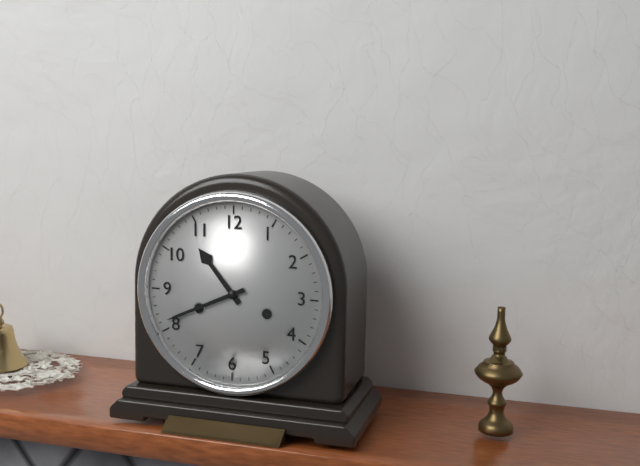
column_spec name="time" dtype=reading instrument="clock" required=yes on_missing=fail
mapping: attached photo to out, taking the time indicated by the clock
10:41
